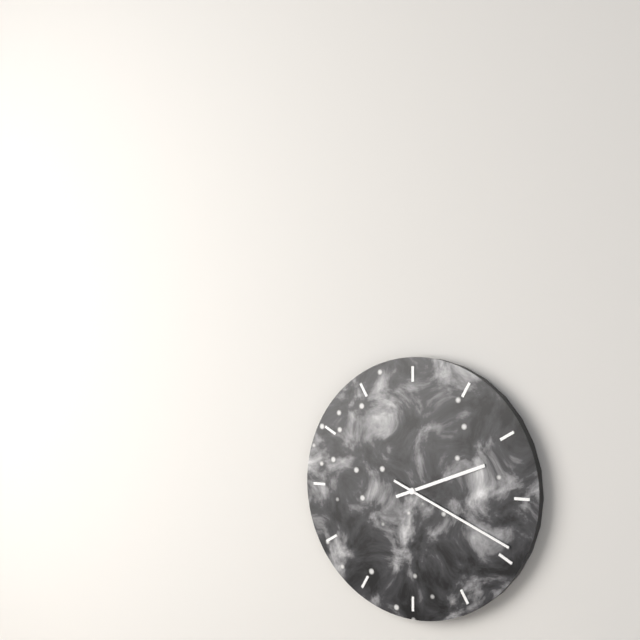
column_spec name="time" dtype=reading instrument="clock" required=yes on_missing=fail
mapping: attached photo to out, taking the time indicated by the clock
2:19
